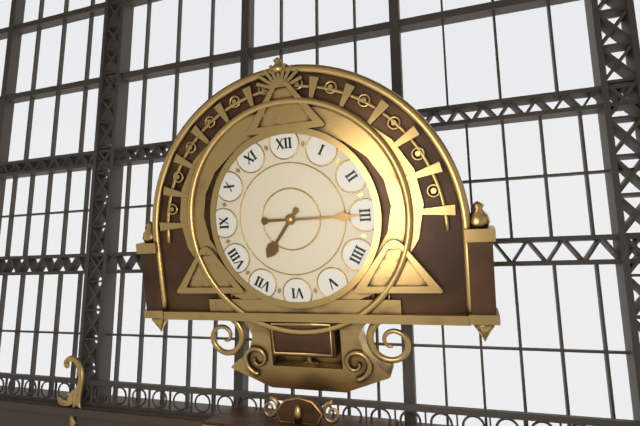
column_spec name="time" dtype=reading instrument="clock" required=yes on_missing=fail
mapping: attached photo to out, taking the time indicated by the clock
7:15
